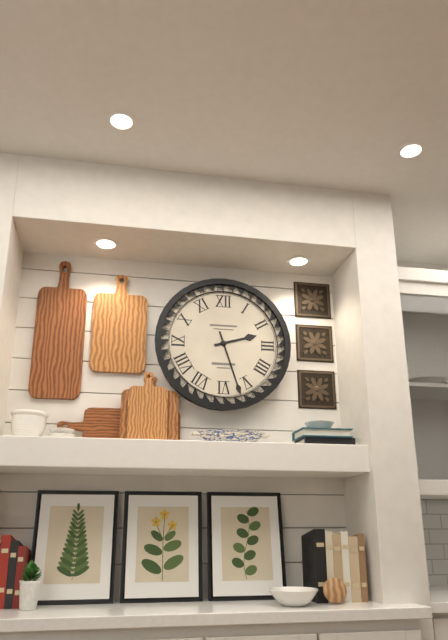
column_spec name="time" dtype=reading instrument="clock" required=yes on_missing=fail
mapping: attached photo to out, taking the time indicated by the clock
2:27
